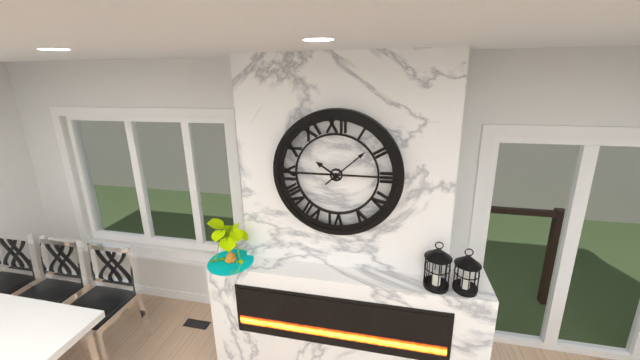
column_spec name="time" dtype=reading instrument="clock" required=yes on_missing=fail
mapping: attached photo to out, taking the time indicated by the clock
10:08
